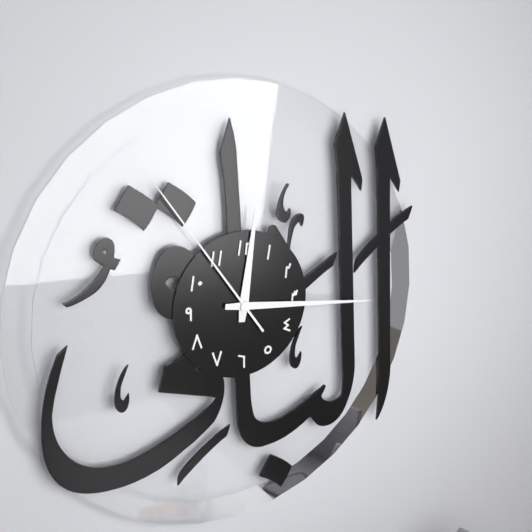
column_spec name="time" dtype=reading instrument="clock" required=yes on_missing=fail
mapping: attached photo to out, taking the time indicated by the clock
12:16:54
